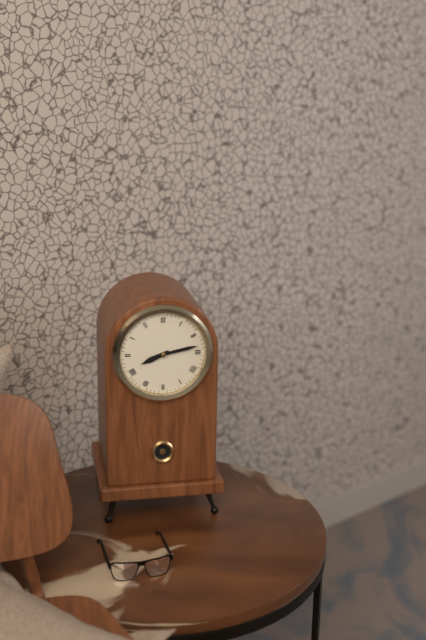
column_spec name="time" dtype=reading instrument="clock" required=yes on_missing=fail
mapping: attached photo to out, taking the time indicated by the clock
8:13
